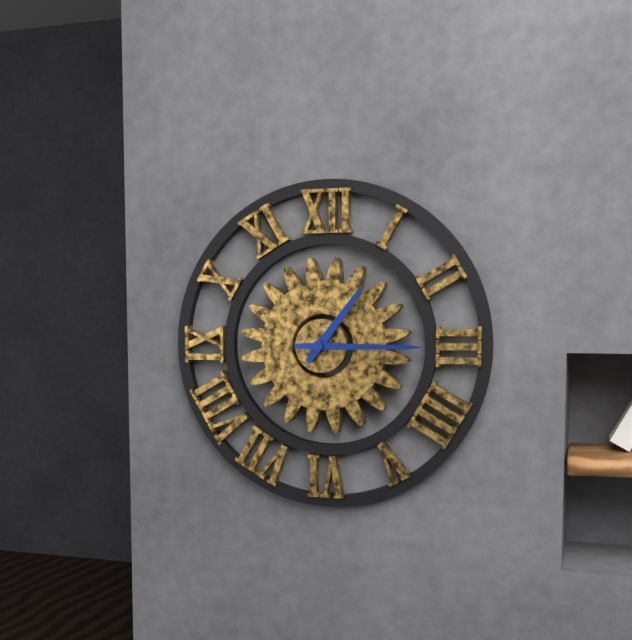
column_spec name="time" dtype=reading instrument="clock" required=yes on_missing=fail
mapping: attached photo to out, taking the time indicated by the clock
1:15
